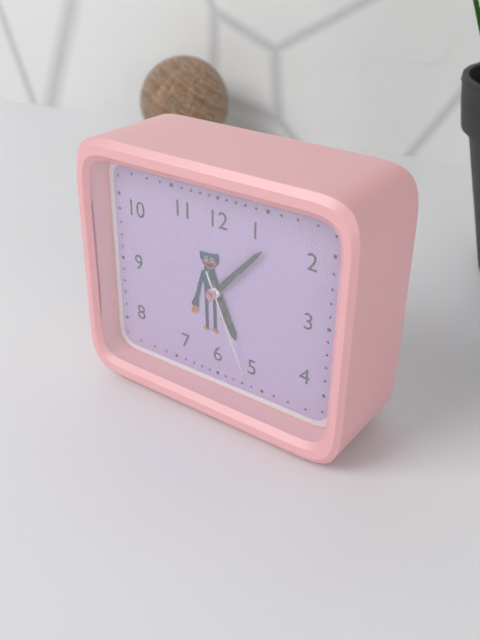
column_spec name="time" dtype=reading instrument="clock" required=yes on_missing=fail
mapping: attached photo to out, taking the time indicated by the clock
5:07:26
